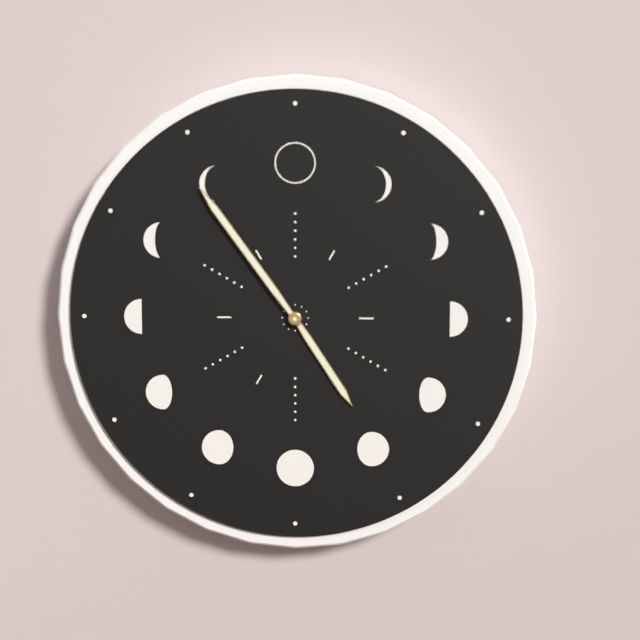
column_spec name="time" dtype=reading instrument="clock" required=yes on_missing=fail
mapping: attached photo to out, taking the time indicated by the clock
4:54
